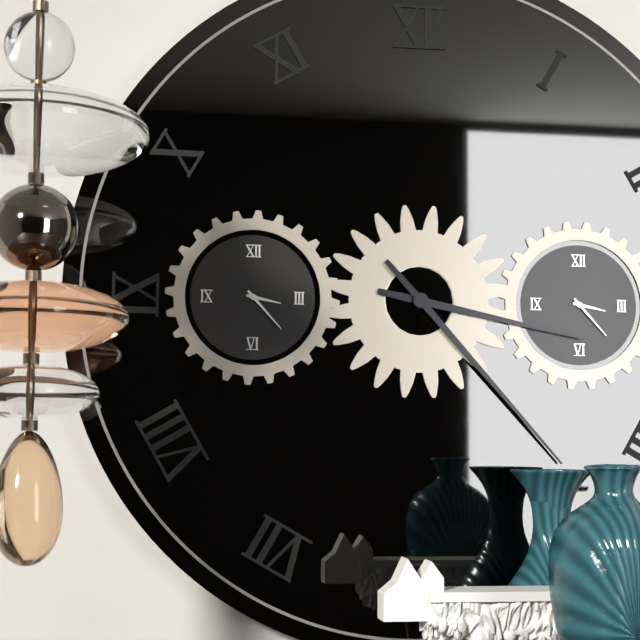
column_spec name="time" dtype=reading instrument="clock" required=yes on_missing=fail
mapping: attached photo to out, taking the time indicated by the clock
3:23
